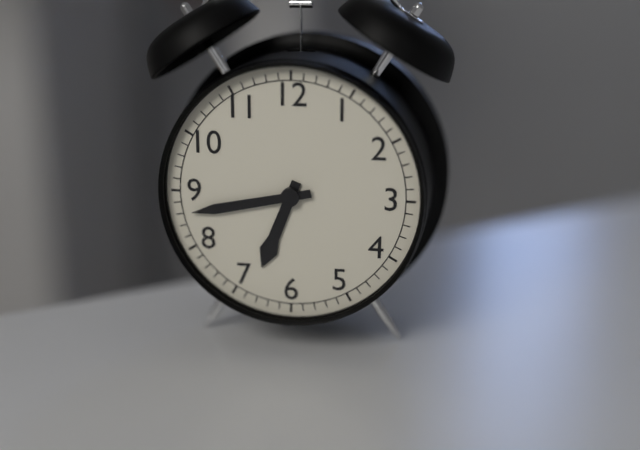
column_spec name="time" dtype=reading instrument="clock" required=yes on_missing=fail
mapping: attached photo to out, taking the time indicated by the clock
6:43
